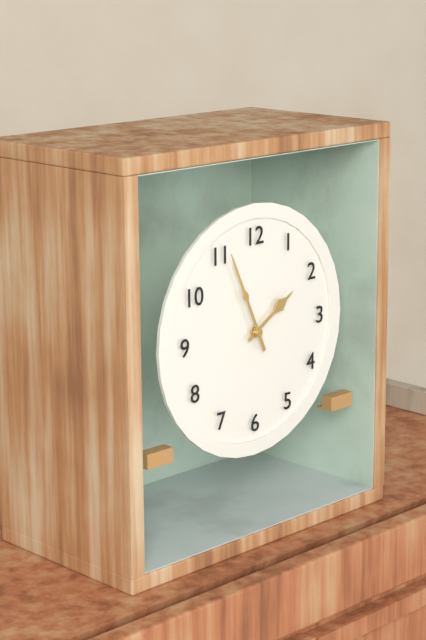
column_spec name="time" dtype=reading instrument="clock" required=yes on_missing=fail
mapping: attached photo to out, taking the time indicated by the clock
1:56
